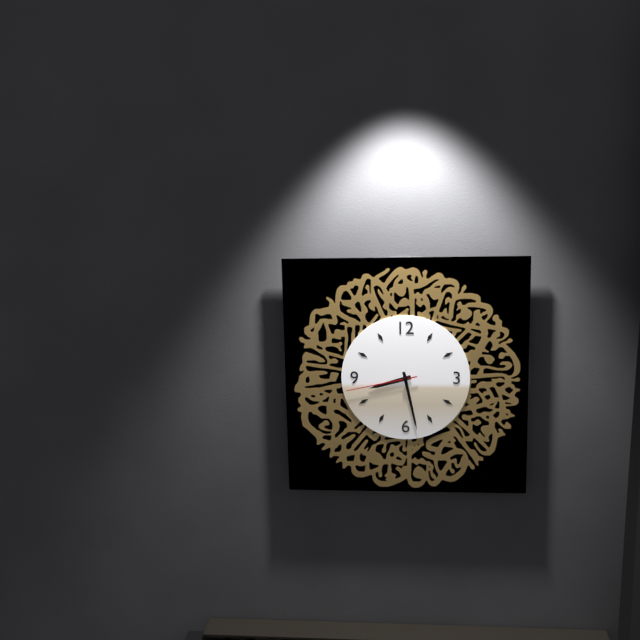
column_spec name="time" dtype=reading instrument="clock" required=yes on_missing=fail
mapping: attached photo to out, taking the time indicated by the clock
8:28:43
